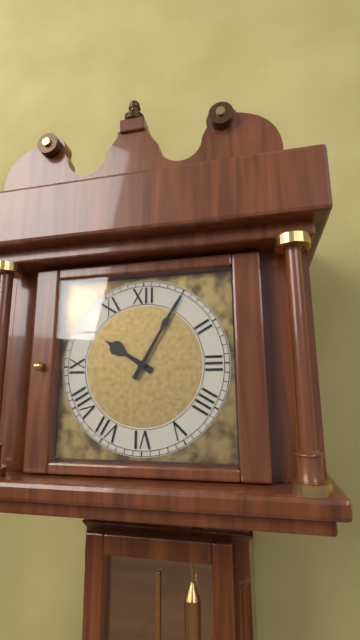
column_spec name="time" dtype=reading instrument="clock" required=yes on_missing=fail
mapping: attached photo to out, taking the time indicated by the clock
10:05
